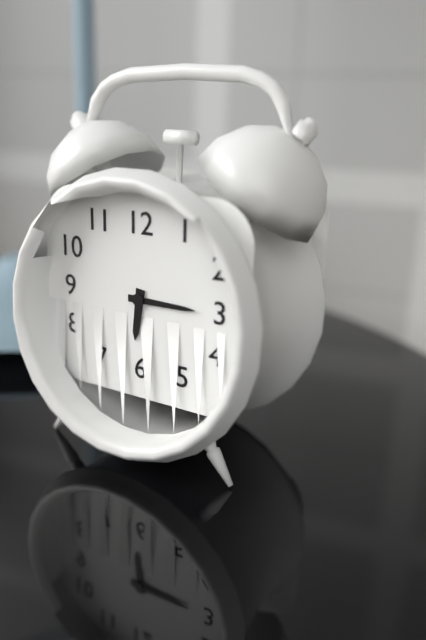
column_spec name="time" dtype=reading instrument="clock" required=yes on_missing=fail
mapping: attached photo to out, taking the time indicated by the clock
6:15
